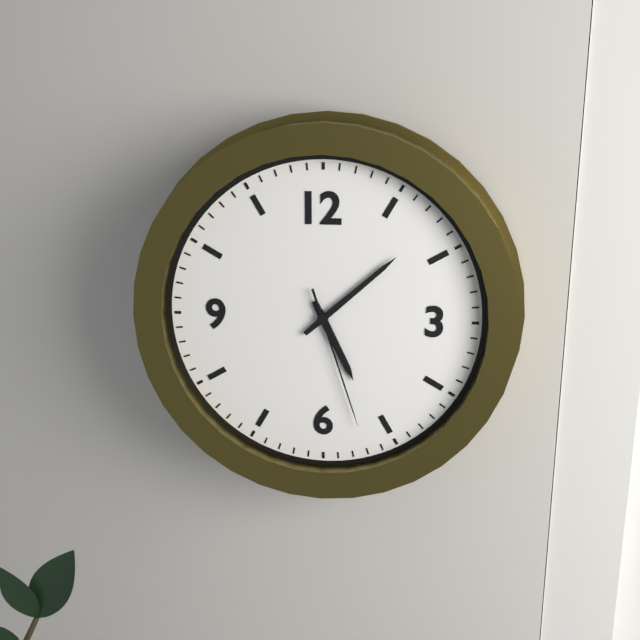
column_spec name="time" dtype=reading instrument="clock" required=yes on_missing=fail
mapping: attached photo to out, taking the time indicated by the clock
5:08:27
